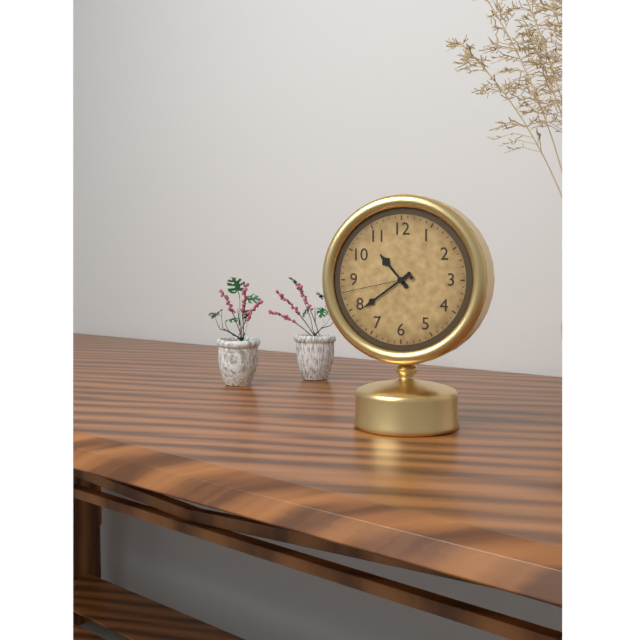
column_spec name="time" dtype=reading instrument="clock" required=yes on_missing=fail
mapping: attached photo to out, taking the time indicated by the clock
10:39:43
